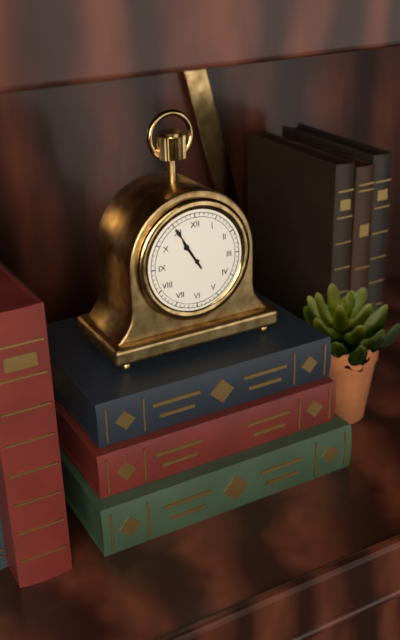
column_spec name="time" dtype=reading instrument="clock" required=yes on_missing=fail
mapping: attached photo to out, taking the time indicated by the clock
10:55
